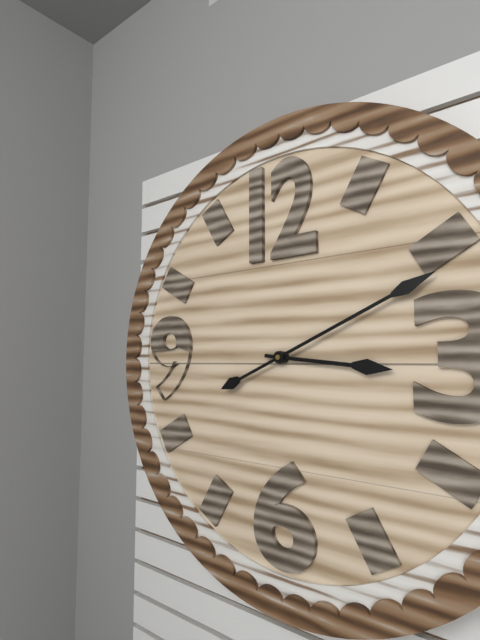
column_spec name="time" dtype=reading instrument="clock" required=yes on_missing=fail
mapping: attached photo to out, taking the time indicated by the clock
3:11
